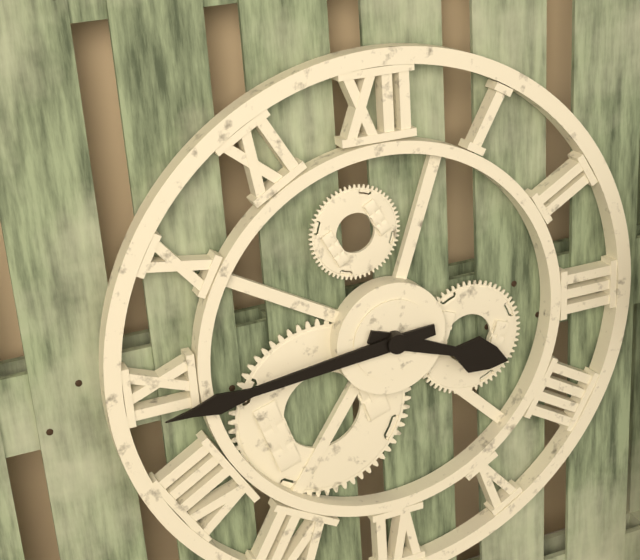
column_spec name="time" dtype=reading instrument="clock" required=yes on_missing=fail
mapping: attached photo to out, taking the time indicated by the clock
3:44
